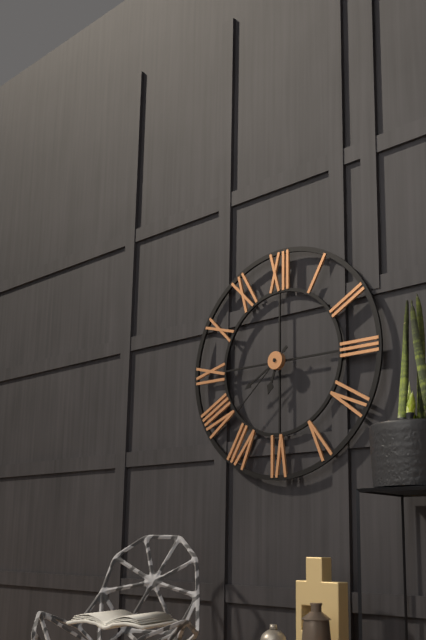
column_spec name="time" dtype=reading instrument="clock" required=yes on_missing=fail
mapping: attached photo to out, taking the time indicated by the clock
6:40:38
